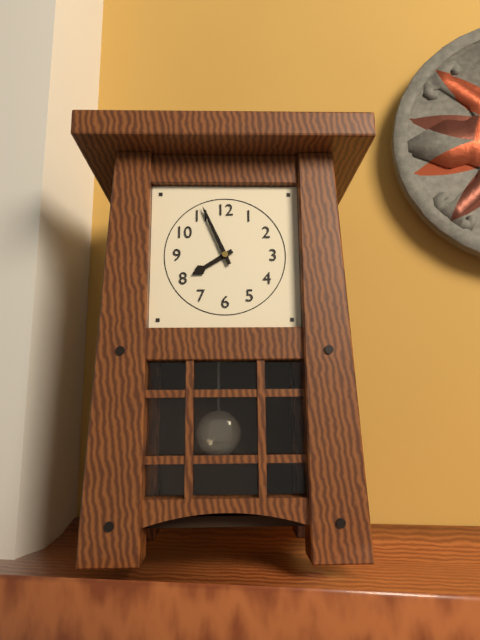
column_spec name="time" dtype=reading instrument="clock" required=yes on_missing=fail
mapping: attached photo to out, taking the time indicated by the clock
7:56
